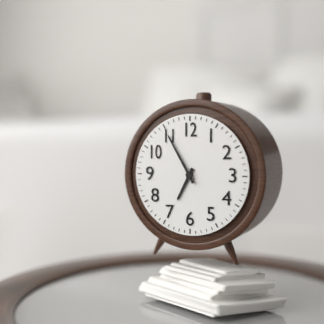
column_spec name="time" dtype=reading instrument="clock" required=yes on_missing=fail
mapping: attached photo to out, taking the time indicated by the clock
6:55
